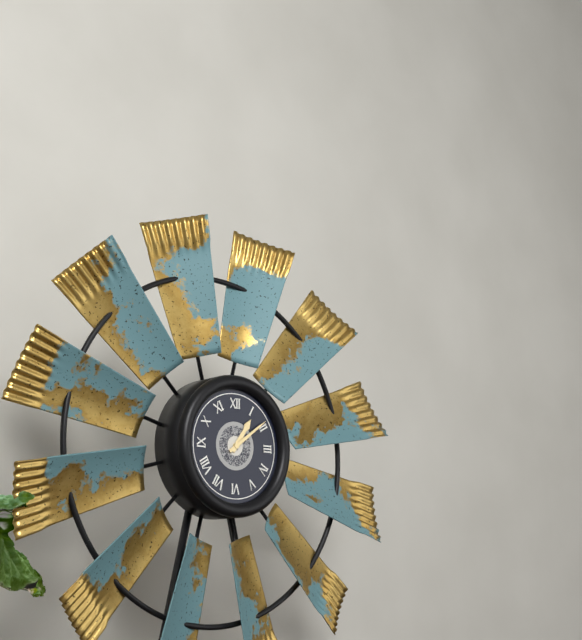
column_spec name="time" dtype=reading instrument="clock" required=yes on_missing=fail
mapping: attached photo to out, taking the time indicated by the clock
1:09
